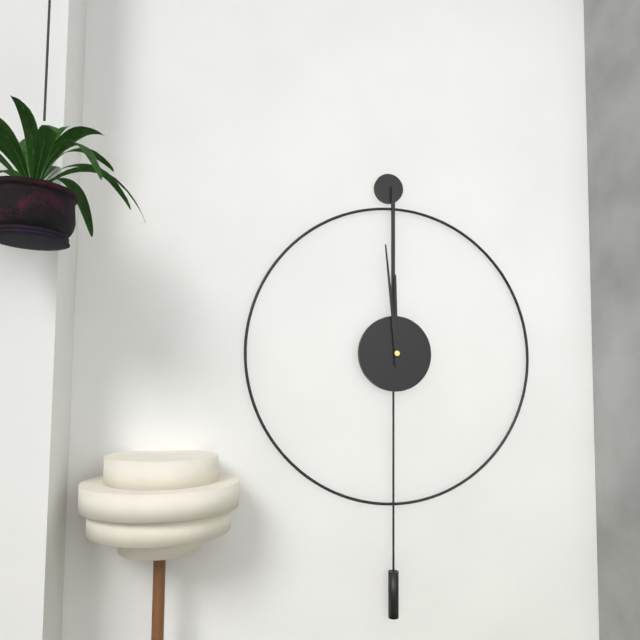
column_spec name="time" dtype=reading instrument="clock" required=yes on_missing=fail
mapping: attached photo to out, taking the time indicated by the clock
11:59
